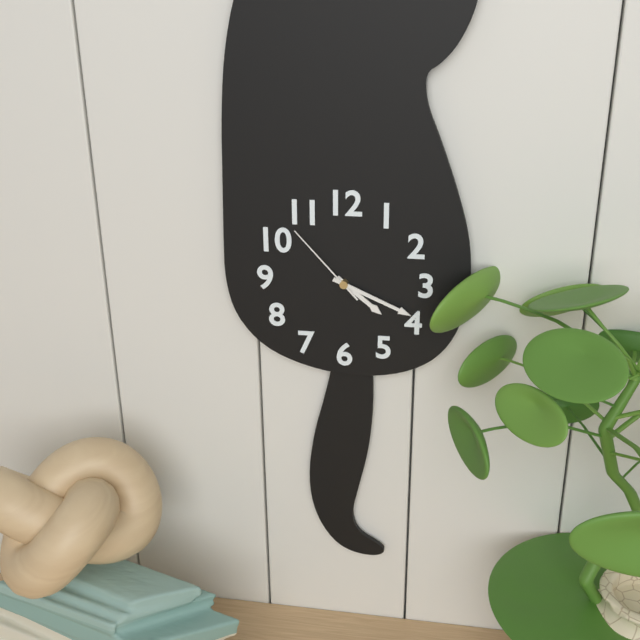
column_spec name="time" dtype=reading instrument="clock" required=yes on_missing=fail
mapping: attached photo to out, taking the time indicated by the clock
4:19:53
